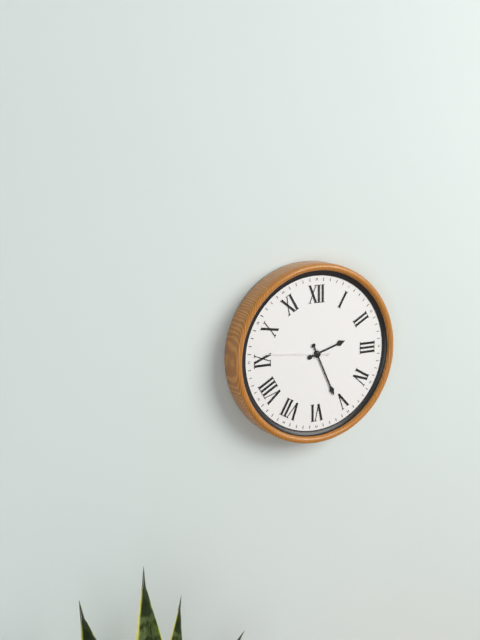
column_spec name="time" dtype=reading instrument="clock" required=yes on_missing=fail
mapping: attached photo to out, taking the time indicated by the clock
2:26:46
